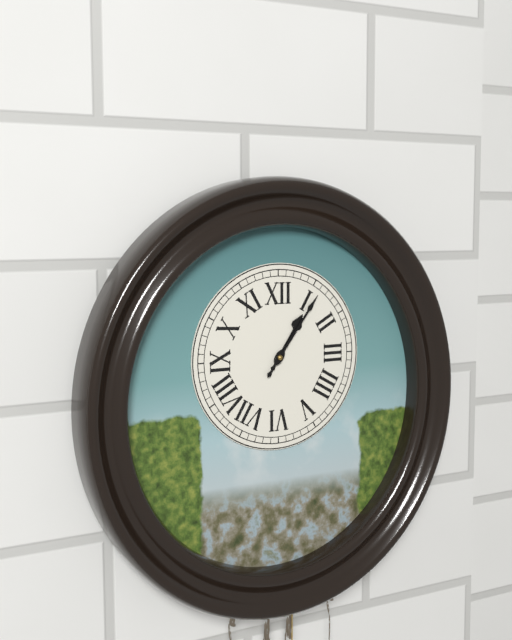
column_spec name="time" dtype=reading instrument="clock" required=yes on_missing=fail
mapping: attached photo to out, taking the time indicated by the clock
1:06
